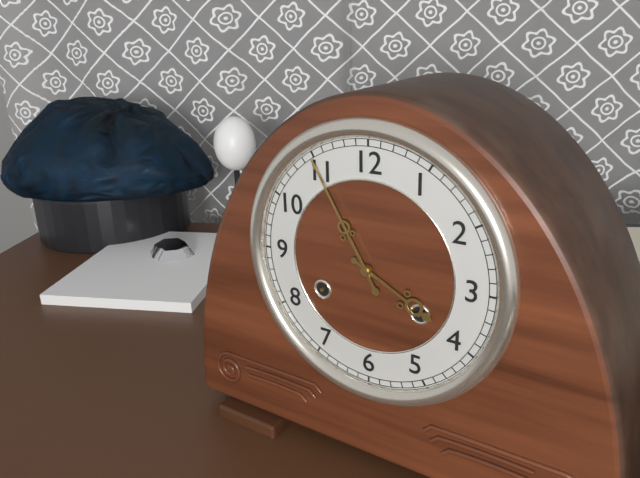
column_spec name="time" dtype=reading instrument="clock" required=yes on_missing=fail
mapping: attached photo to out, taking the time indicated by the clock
3:55
